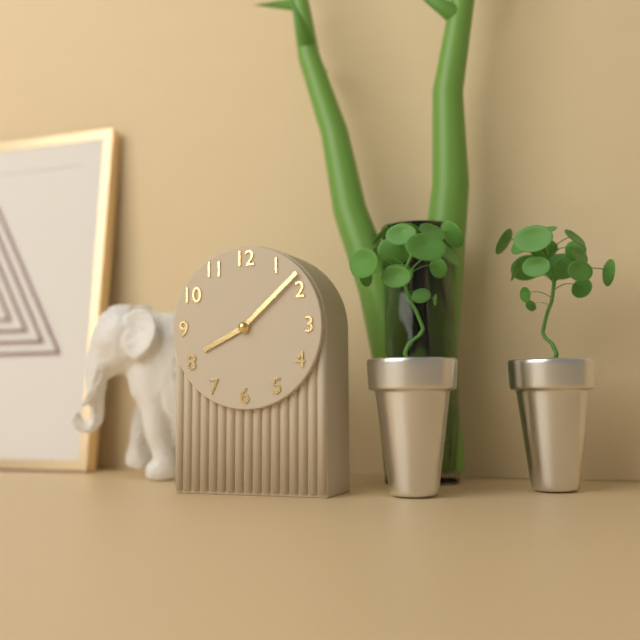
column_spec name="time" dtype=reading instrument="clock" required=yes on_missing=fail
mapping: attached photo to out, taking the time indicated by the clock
8:08
